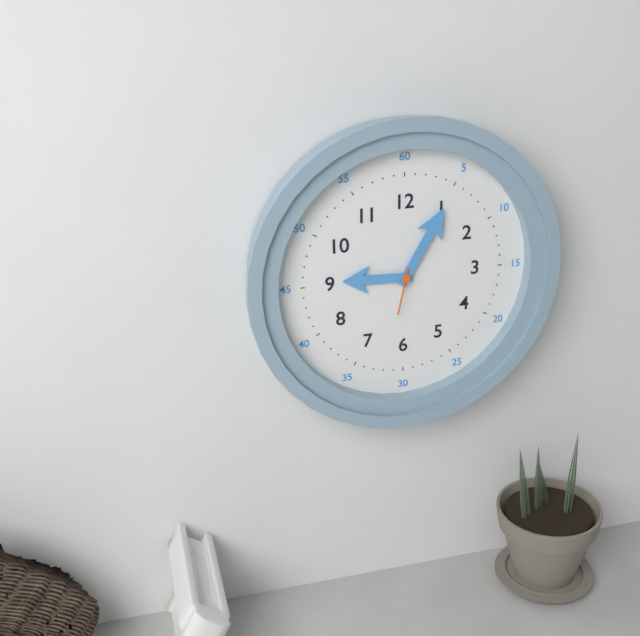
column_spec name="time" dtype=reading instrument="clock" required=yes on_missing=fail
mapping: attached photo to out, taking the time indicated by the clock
9:05:32
